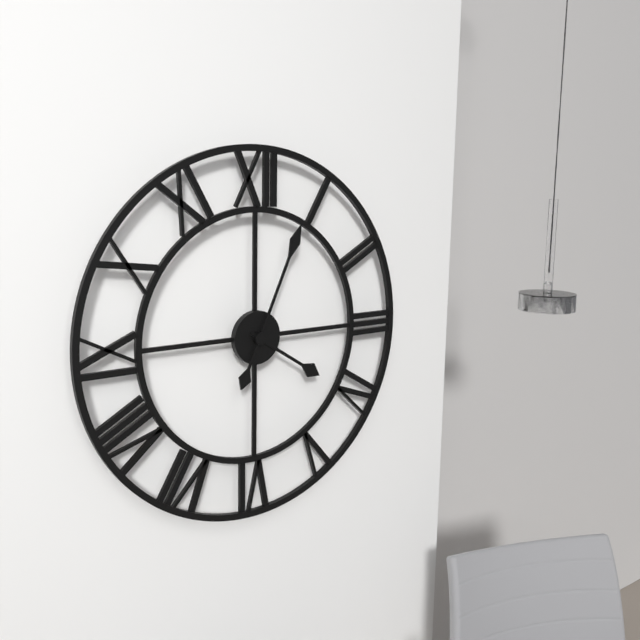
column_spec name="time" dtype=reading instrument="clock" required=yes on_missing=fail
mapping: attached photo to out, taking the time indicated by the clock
4:04
